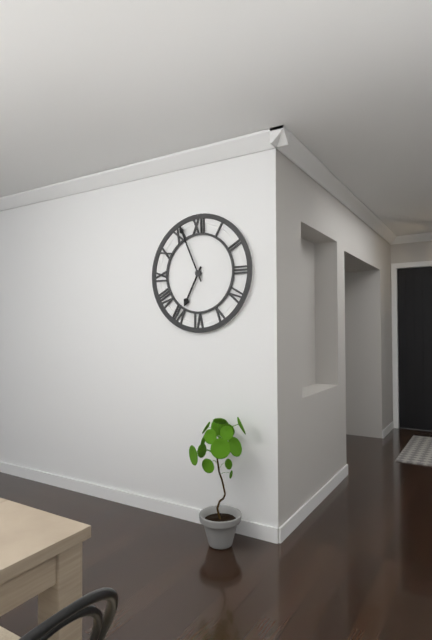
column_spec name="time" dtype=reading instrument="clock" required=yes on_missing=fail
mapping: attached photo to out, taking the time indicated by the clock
6:56
